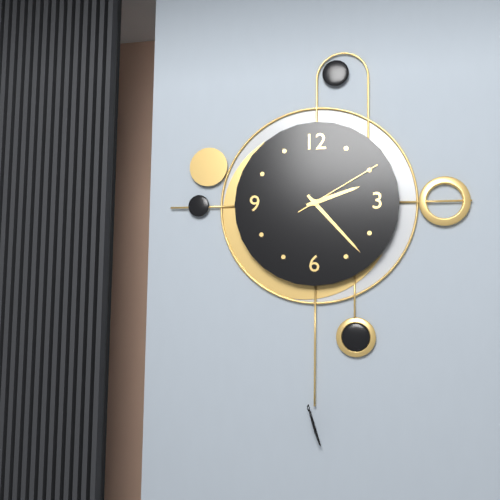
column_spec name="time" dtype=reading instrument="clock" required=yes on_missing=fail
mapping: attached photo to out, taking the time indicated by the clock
2:23:10
